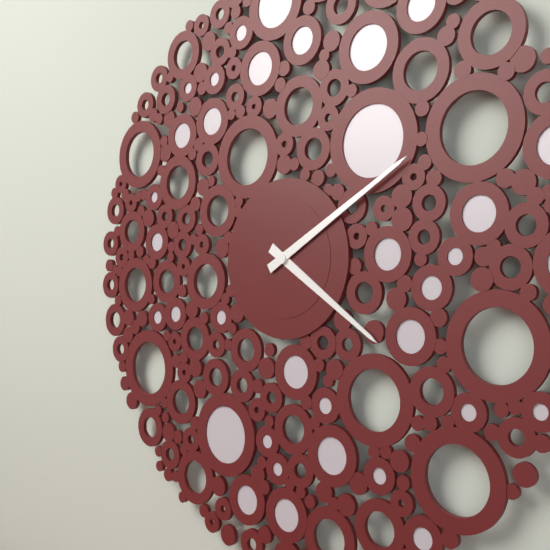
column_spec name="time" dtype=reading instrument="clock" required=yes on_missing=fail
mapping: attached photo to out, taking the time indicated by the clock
4:10
